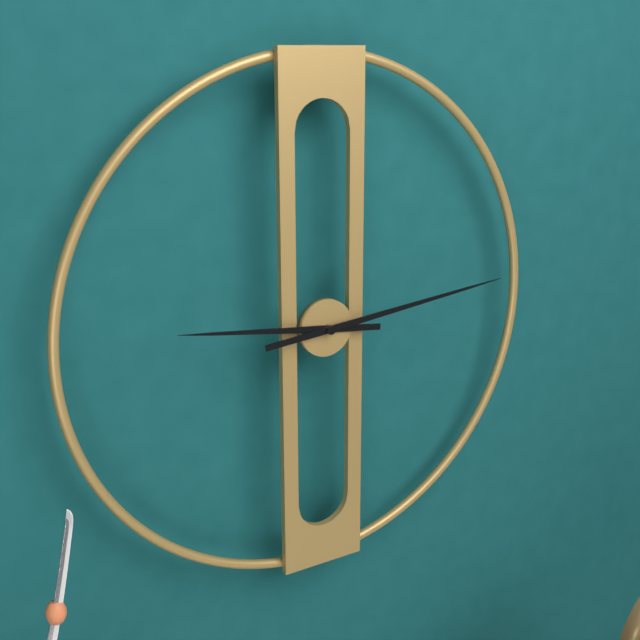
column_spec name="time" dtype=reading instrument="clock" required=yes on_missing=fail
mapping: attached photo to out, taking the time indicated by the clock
9:14
